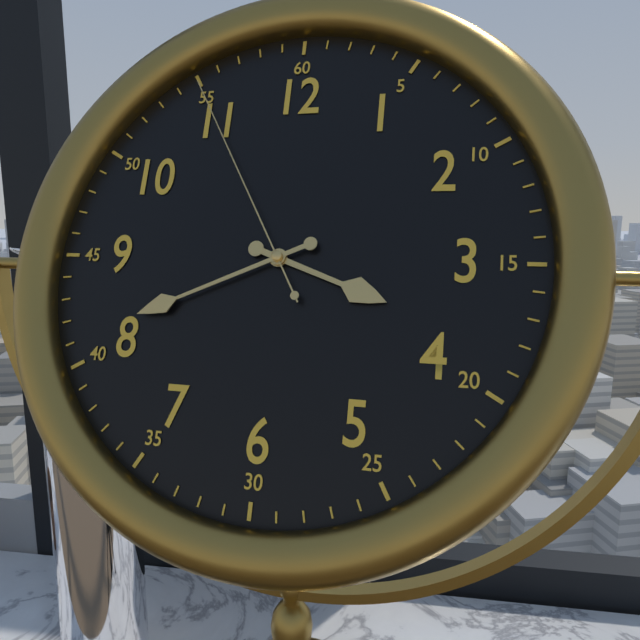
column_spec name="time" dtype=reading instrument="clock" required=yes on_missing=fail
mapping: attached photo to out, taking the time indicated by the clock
3:41:55
